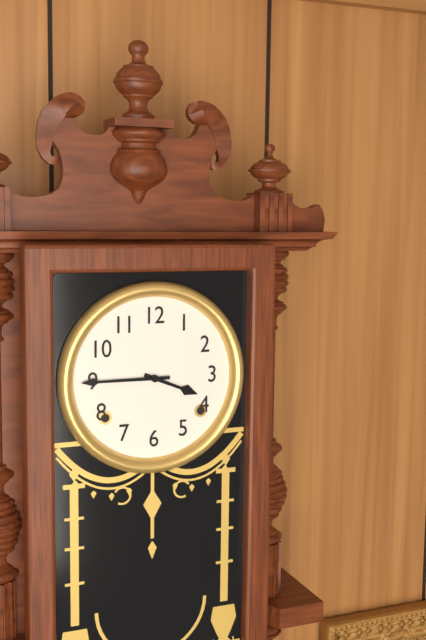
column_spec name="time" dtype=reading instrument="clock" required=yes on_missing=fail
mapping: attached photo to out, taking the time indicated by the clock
3:45
